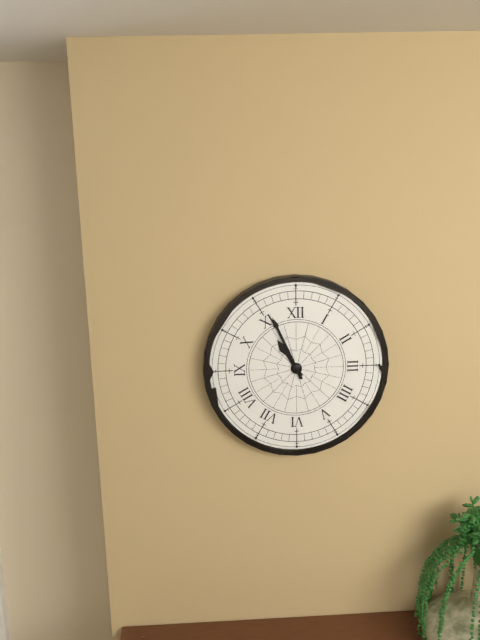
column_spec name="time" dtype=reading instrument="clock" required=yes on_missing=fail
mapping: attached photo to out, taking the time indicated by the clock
10:56
